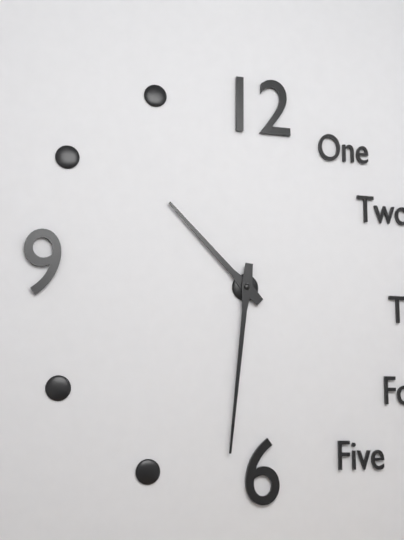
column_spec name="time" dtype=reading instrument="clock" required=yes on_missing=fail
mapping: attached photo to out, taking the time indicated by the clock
10:31
